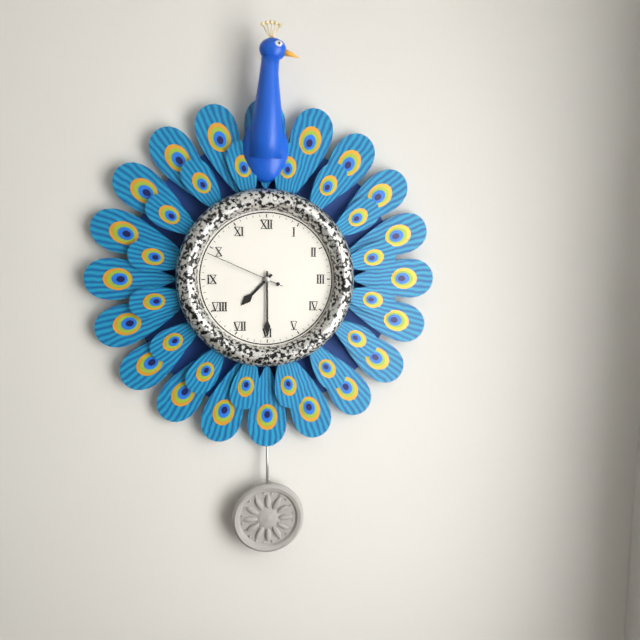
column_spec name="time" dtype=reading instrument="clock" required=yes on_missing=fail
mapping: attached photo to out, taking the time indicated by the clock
7:30:49
